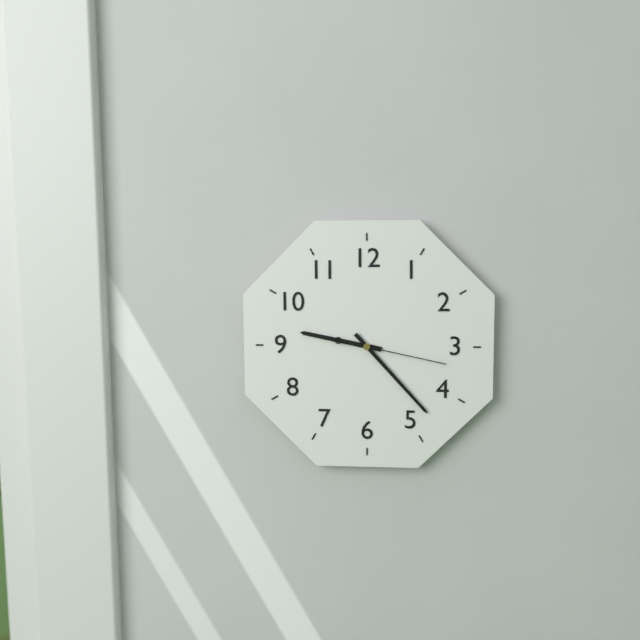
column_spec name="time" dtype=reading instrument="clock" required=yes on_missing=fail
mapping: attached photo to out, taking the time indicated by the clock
9:23:17
